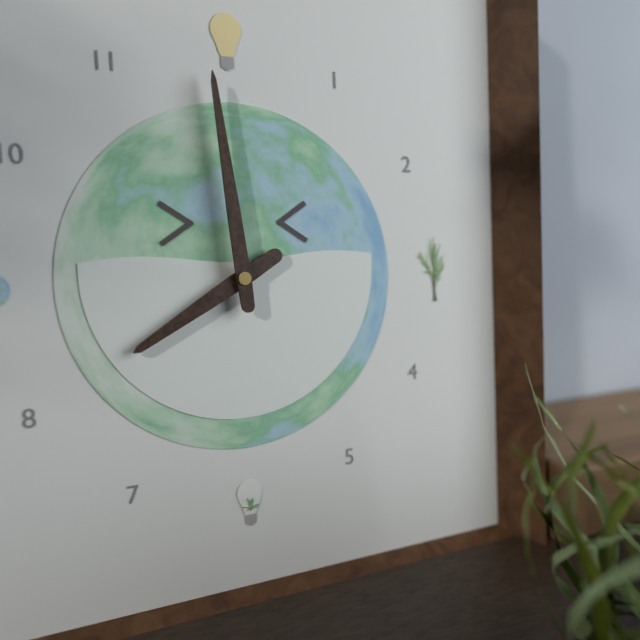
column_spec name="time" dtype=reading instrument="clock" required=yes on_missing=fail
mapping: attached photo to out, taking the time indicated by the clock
7:59
